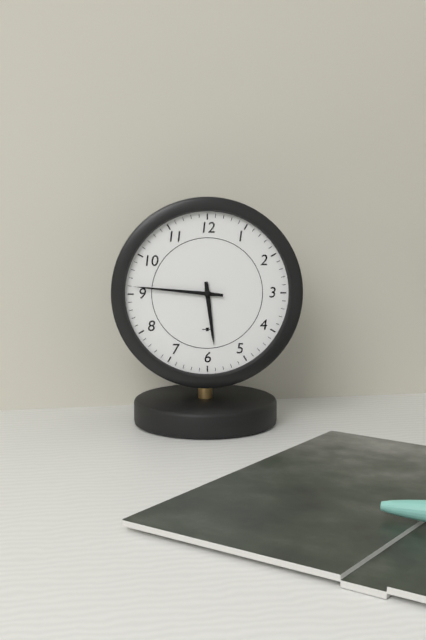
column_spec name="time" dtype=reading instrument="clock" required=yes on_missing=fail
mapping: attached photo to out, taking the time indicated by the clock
5:46
